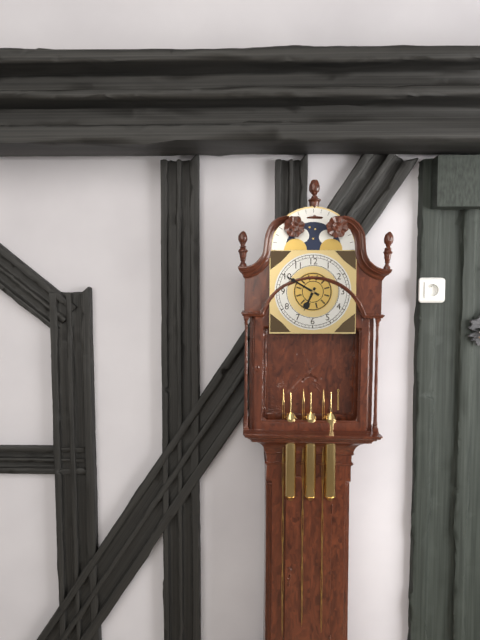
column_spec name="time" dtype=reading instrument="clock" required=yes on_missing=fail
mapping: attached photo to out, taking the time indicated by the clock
6:50
